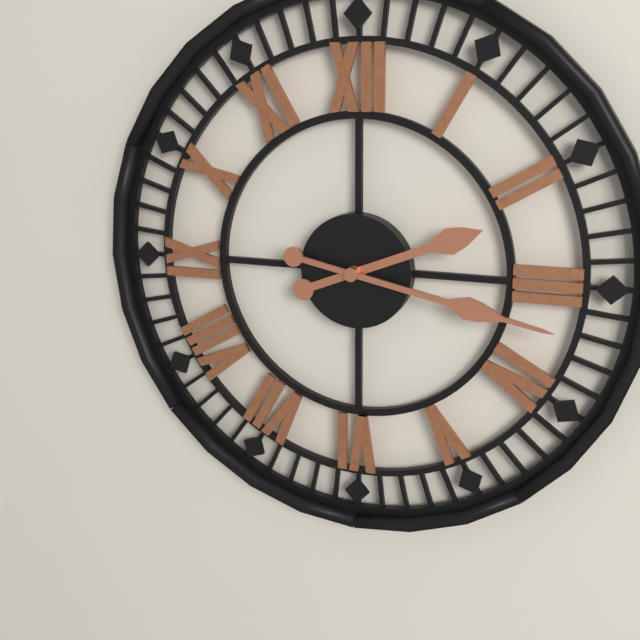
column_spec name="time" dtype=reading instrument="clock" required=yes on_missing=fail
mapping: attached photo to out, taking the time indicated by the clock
2:17
